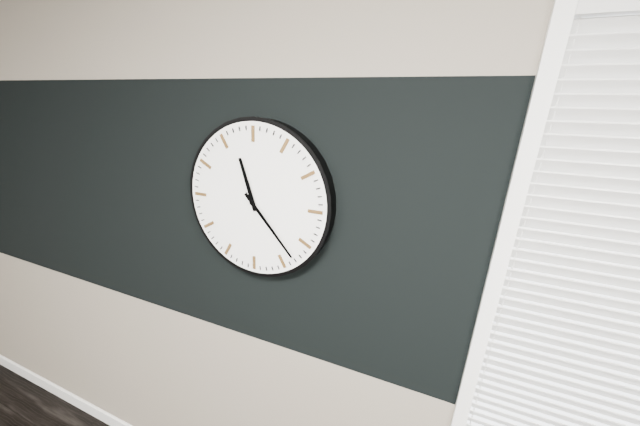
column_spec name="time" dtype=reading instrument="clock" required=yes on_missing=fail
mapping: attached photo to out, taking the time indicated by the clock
11:23
